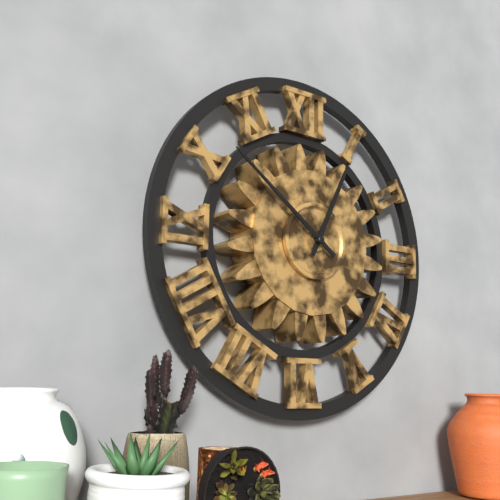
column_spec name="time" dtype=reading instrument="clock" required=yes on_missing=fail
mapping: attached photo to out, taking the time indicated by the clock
12:51
